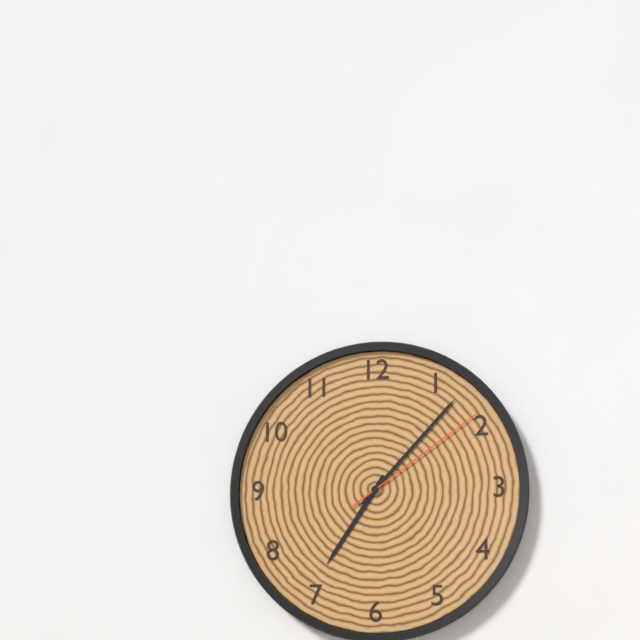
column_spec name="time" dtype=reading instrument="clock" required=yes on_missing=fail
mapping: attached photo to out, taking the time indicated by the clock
7:07:09
